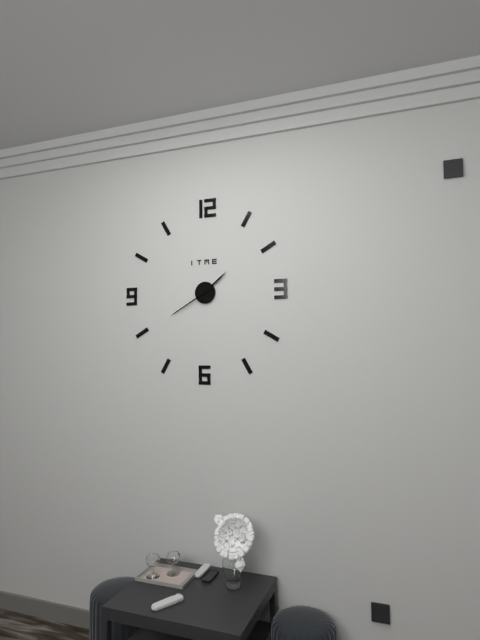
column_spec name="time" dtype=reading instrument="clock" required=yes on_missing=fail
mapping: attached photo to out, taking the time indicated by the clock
1:40
